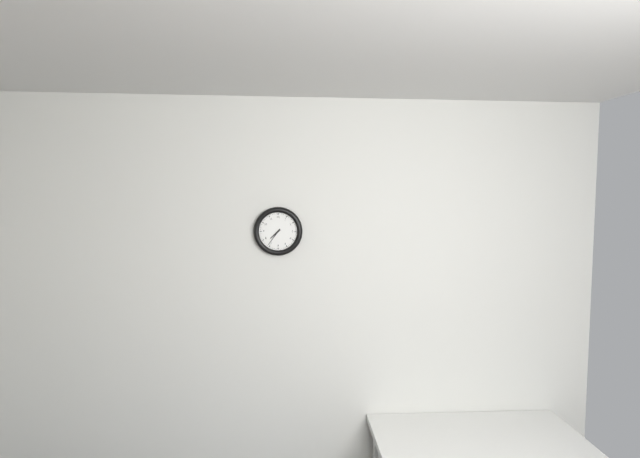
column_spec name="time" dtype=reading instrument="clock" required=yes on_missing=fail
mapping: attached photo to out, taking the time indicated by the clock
7:36
